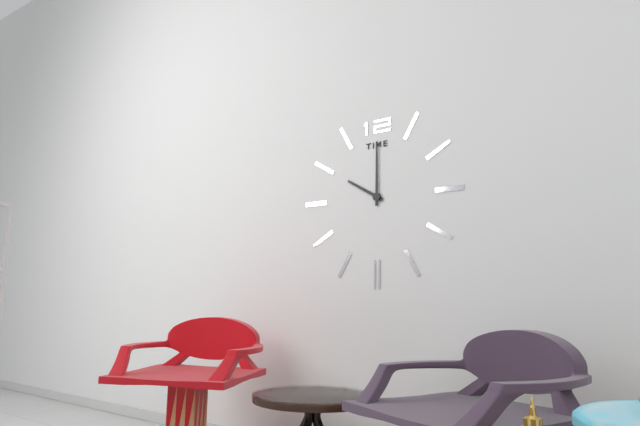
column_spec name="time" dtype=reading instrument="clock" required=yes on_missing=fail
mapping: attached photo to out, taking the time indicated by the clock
10:00
